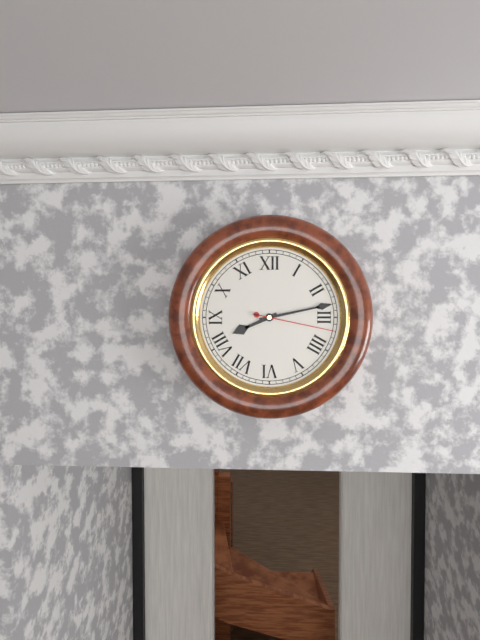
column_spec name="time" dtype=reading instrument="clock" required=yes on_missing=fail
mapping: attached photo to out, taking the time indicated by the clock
8:13:17
